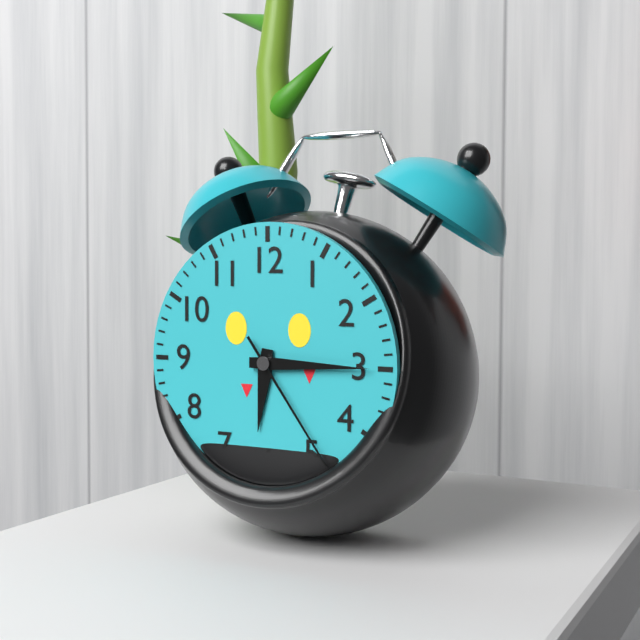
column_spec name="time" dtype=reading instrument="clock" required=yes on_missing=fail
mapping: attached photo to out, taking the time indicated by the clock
6:15:24
